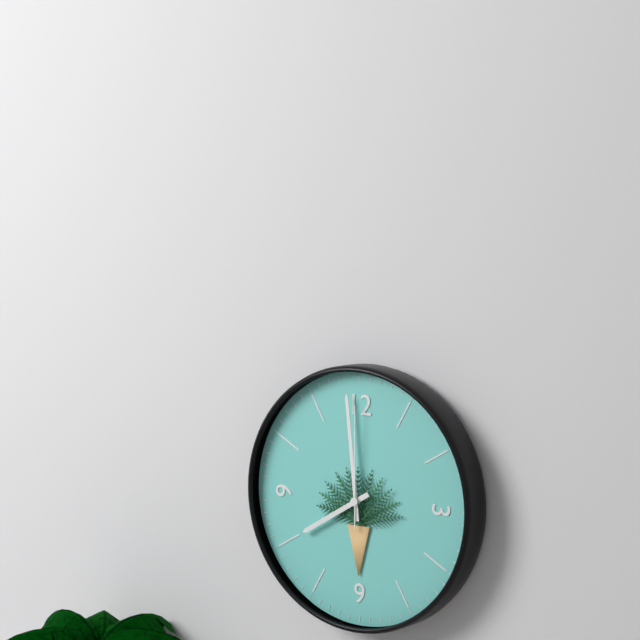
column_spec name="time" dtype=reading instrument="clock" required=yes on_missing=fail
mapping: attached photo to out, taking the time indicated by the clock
7:59:00
